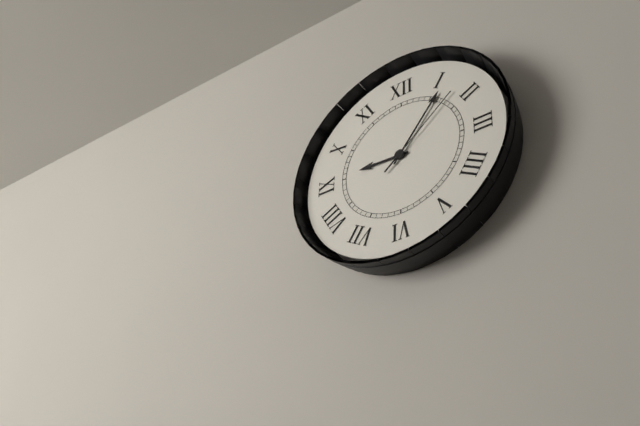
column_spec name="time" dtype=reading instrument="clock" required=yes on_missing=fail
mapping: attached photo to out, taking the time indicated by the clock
9:06:08
